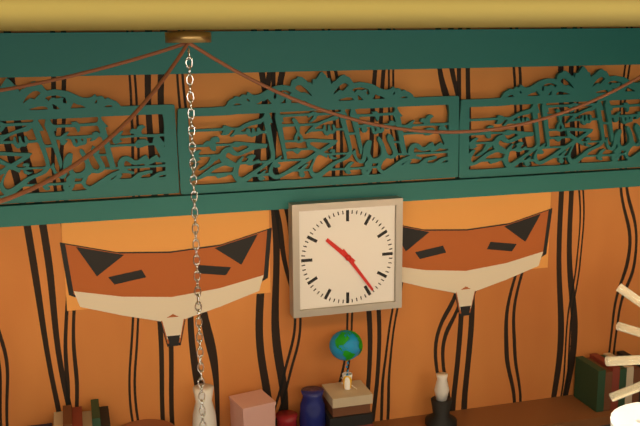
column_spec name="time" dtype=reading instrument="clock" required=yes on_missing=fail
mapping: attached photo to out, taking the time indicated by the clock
10:24
